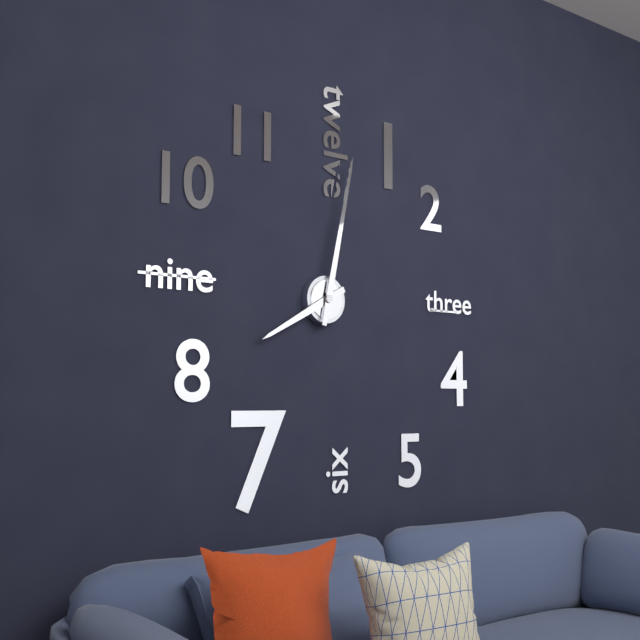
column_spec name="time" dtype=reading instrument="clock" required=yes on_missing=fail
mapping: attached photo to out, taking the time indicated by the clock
8:02
